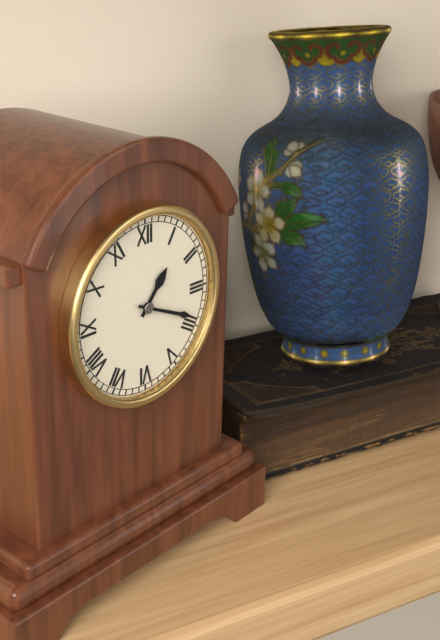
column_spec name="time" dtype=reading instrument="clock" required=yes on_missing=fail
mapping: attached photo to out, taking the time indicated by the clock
1:19
